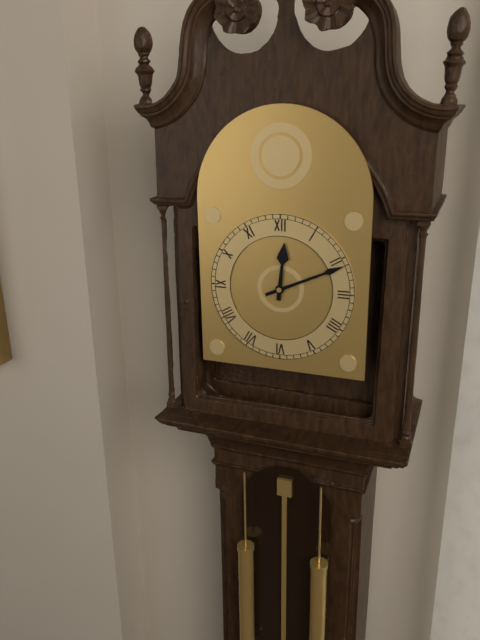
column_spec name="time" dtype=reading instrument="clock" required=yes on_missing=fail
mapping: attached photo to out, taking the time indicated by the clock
12:11
